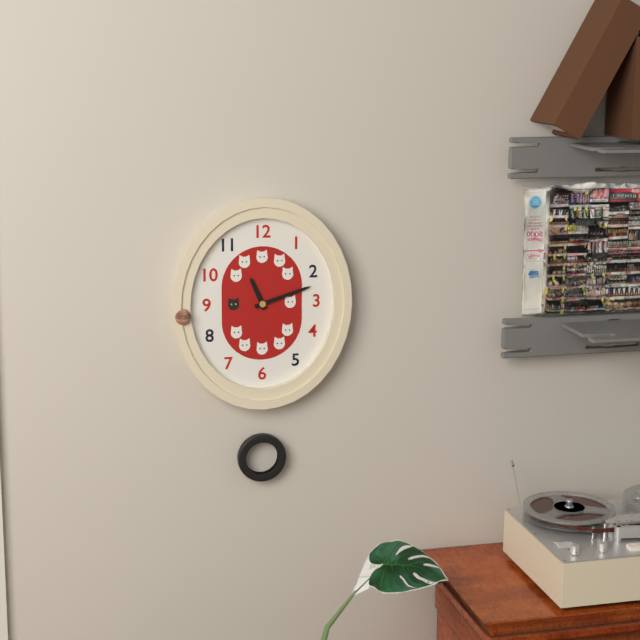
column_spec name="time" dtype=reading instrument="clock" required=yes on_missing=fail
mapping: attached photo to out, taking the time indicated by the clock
11:12
